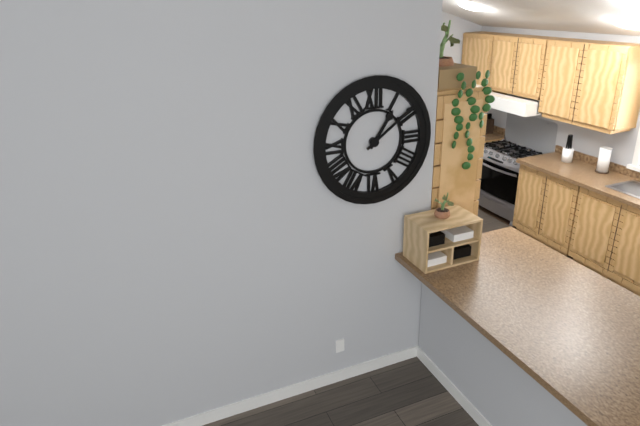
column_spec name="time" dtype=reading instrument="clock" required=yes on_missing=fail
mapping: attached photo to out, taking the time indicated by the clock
1:09
